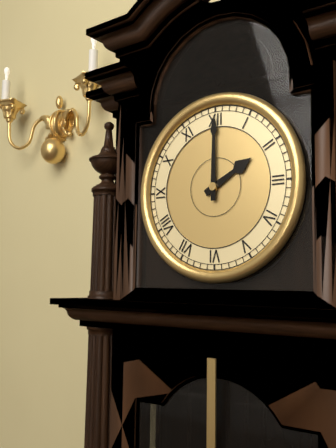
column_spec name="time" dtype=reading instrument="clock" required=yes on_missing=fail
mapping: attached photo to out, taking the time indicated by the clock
2:00
